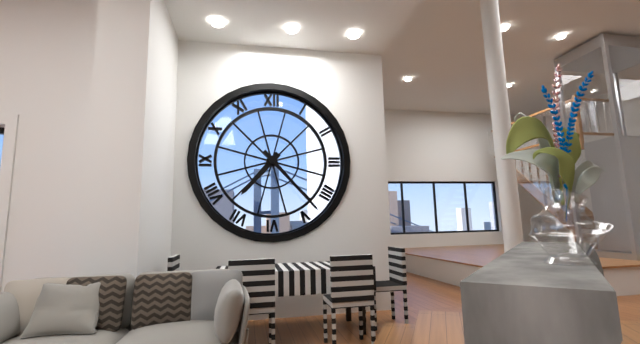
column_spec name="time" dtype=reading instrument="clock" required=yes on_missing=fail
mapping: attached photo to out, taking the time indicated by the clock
7:23
